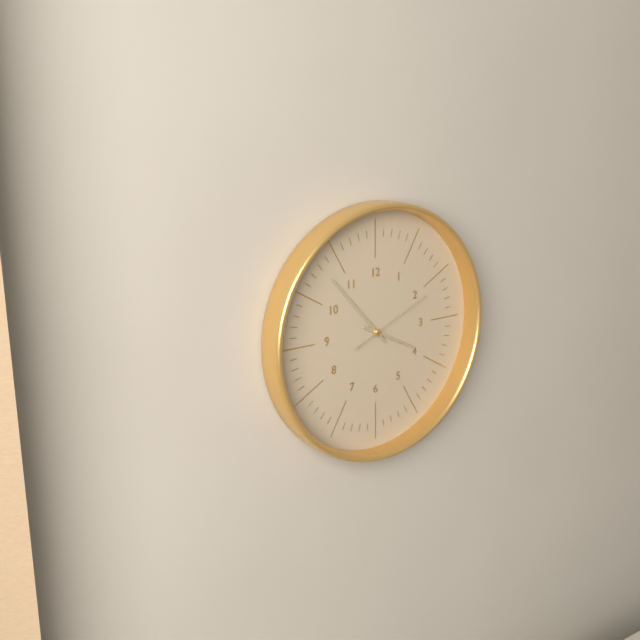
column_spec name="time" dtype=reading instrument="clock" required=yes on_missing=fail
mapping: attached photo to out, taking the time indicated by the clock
3:53:11
